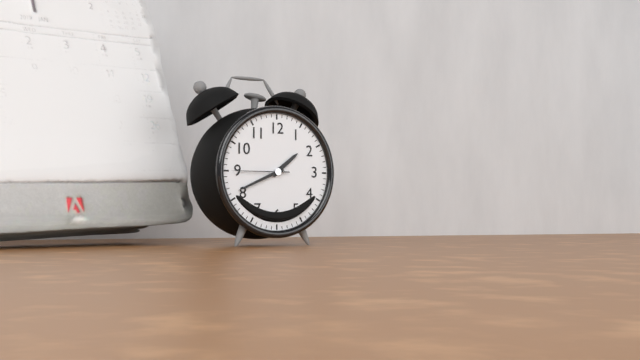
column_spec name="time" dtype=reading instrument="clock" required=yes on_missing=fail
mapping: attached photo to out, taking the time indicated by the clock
1:41:45
